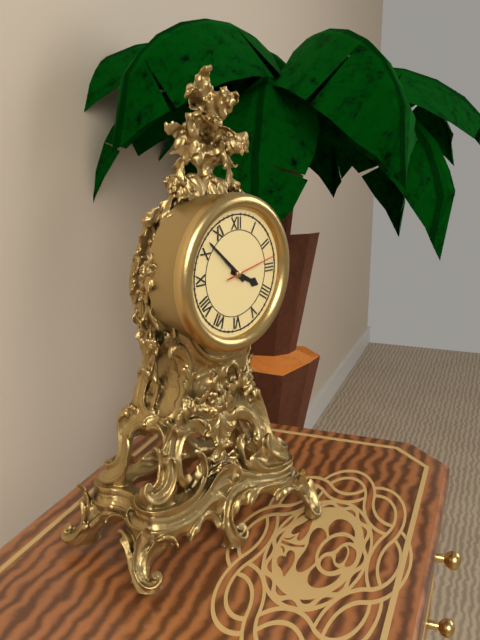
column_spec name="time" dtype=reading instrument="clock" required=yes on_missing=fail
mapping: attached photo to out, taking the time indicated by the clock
3:52:13
